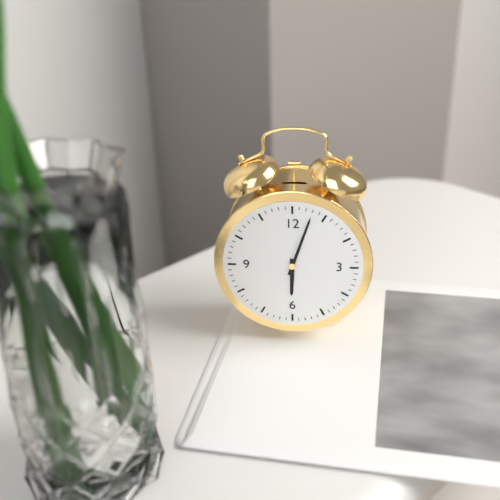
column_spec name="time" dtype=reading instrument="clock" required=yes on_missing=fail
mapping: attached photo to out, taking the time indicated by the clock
6:03
